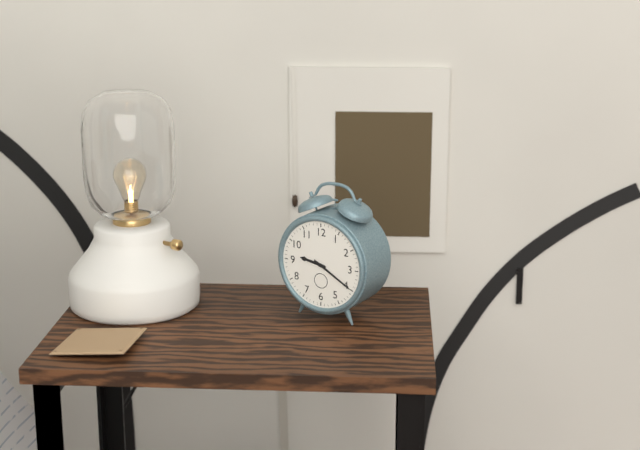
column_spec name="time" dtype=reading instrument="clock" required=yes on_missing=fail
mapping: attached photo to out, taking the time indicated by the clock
9:20
